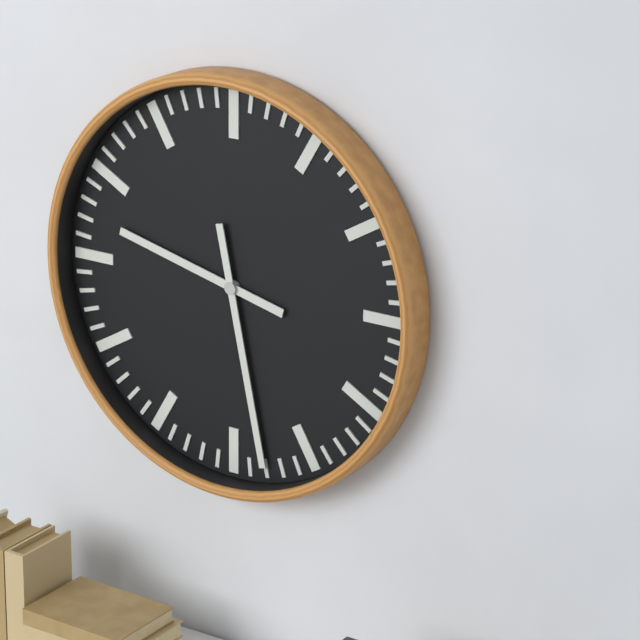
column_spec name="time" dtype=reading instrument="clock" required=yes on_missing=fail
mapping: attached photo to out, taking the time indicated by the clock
9:28
